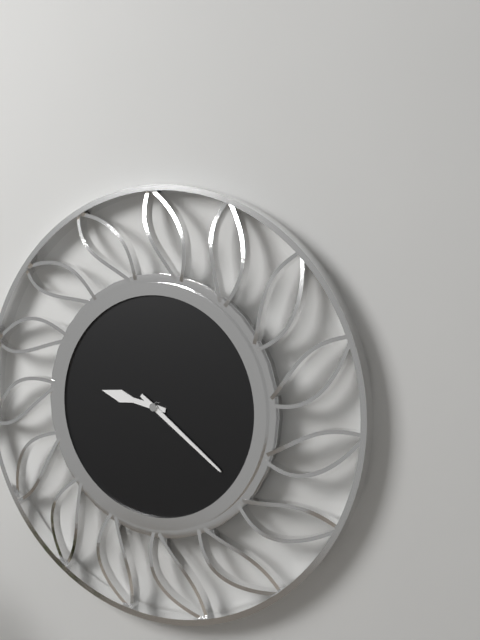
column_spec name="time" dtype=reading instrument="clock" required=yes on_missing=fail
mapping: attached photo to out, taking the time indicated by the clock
9:21
